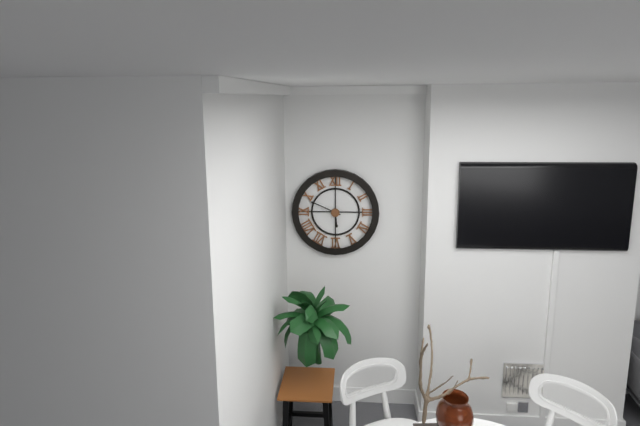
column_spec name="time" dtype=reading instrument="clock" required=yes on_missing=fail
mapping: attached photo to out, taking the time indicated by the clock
5:49
